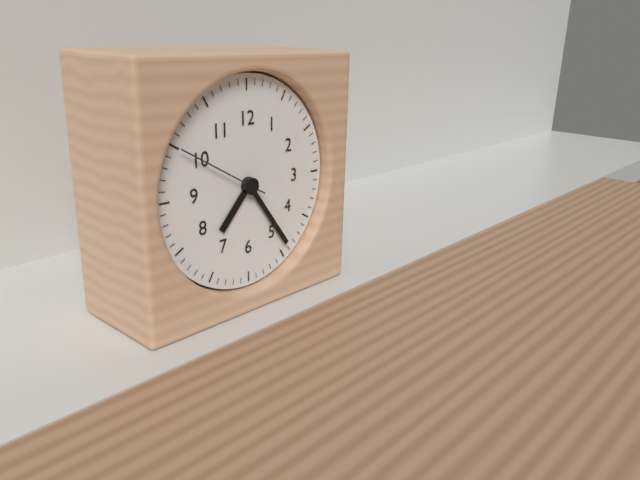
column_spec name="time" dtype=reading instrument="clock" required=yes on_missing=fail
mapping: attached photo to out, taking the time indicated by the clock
7:24:50
